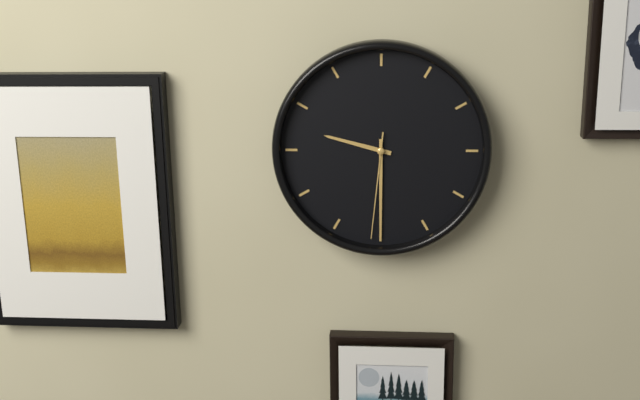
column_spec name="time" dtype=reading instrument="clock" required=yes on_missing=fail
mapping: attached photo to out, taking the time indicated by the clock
9:30:31
